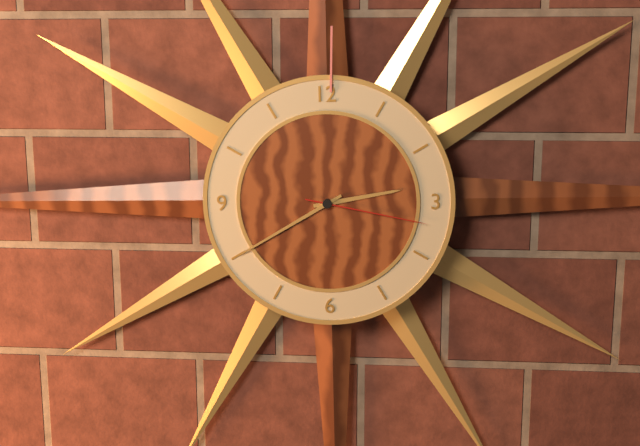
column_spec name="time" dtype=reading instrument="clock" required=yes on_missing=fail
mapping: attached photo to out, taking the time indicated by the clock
2:40:17
